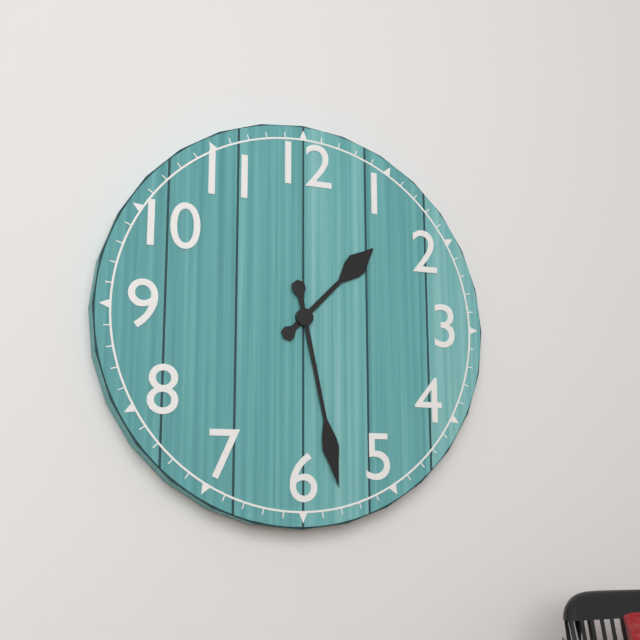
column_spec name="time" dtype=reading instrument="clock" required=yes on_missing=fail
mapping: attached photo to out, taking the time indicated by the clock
1:28
